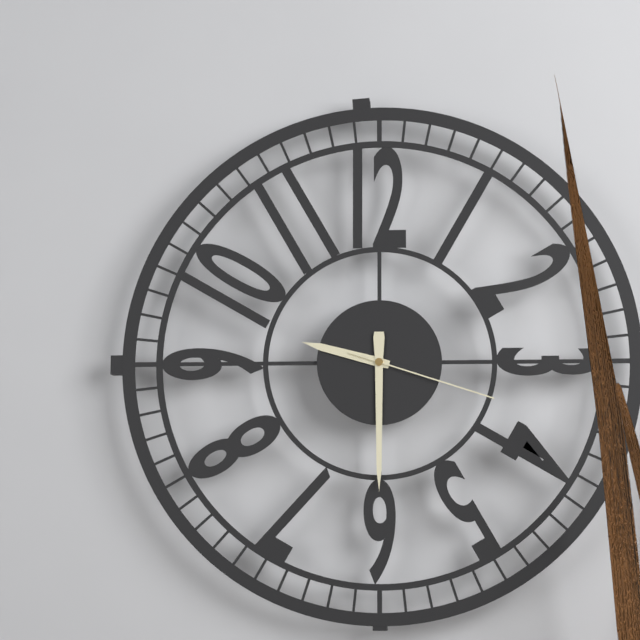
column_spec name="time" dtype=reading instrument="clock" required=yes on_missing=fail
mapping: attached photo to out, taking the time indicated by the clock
9:30:18
